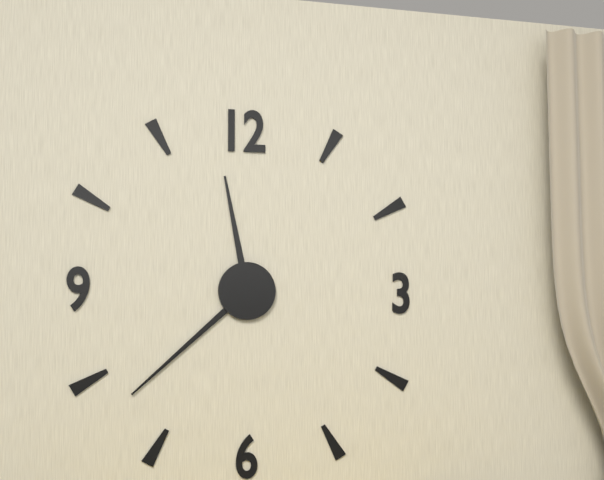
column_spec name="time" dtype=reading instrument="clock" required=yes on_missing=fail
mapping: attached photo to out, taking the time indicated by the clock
11:38
